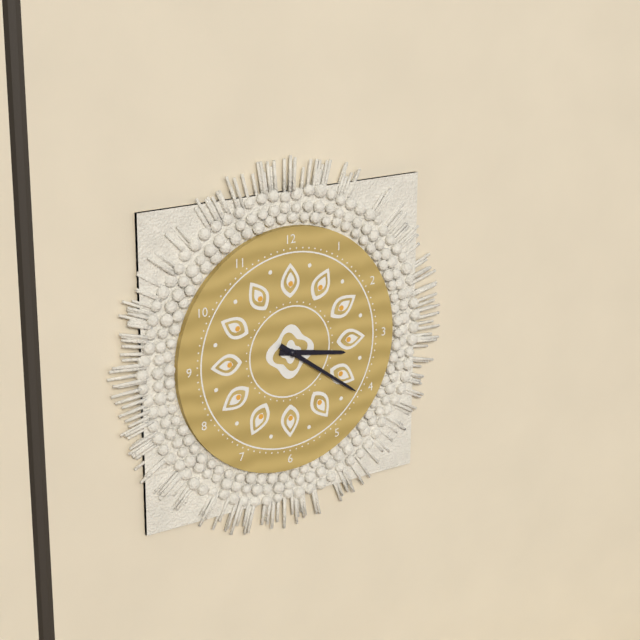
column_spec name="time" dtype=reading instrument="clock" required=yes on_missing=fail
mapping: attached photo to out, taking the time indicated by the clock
3:21
